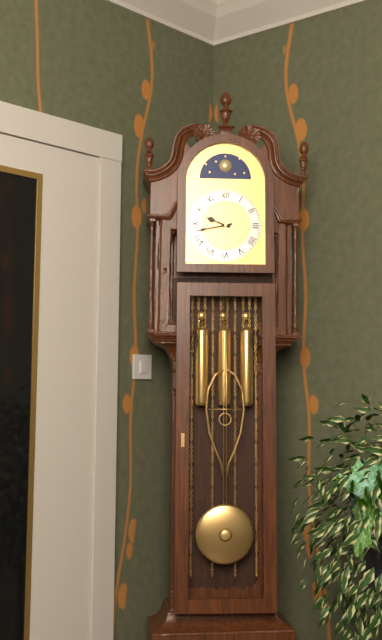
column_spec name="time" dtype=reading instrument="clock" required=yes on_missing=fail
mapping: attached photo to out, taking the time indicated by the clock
9:43
